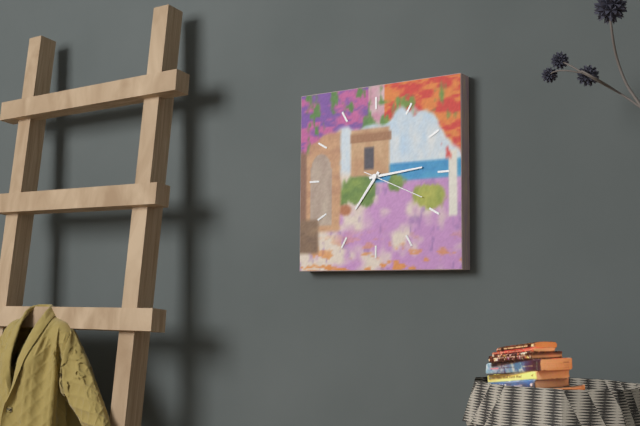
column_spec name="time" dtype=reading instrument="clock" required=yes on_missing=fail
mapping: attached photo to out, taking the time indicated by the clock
7:14:19
